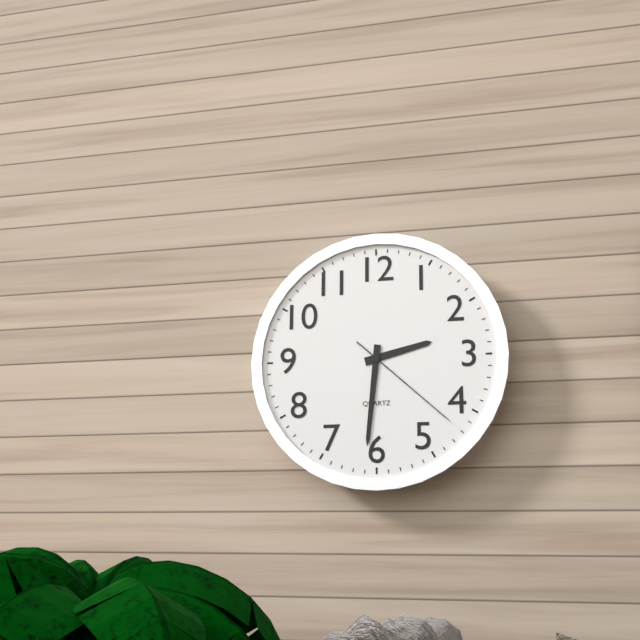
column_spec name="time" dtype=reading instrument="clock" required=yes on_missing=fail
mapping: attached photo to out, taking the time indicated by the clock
2:31:22
